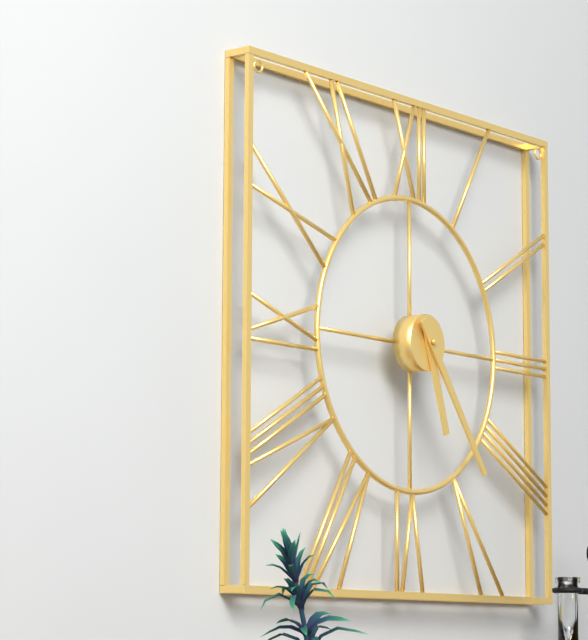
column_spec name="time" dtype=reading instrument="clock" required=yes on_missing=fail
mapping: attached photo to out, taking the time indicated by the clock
5:24
